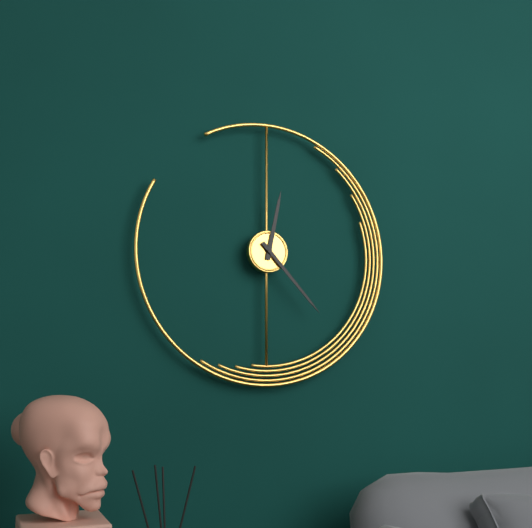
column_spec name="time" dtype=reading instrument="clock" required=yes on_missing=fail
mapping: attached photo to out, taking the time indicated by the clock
12:23
